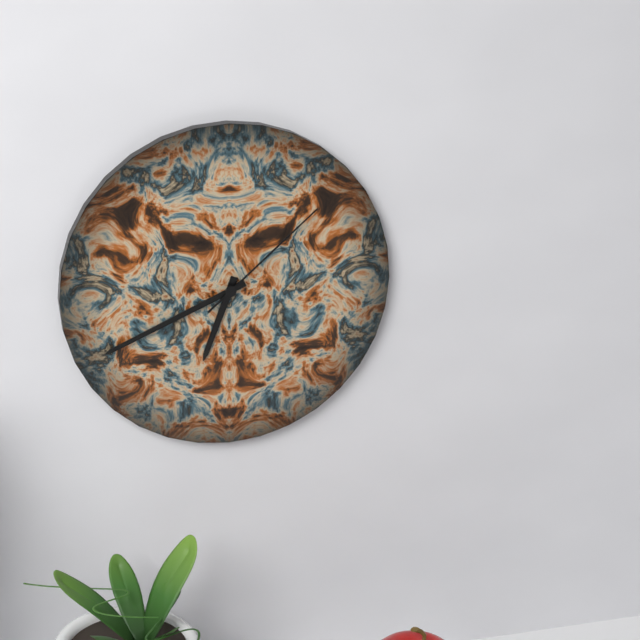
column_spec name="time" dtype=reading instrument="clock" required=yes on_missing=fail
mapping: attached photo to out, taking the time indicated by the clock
6:41:08
